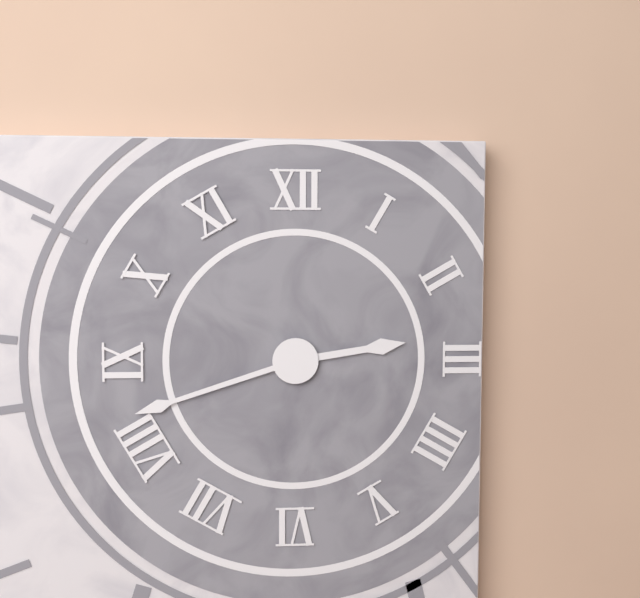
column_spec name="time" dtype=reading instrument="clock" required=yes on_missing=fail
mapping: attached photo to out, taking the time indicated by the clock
2:42
